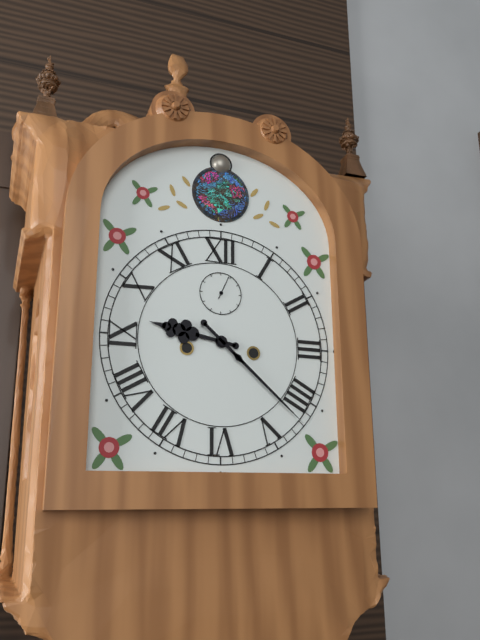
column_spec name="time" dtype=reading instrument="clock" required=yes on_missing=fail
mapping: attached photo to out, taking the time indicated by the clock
9:22
